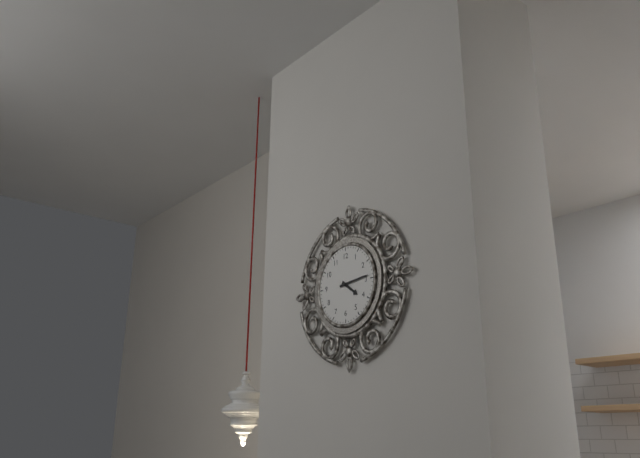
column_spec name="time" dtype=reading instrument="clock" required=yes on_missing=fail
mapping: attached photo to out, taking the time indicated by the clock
4:14
